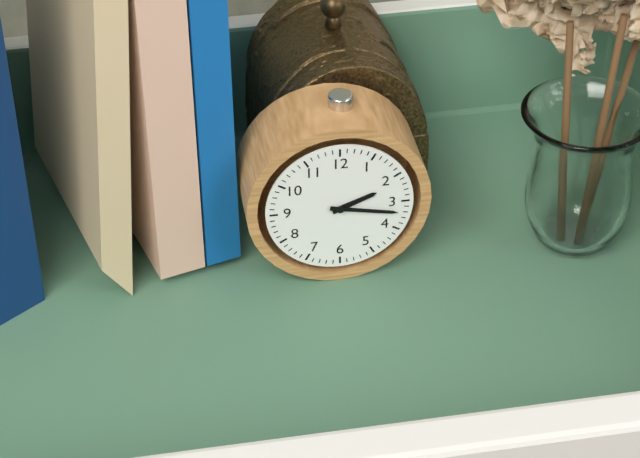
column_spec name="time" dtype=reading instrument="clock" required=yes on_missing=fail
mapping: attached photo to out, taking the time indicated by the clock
2:17
